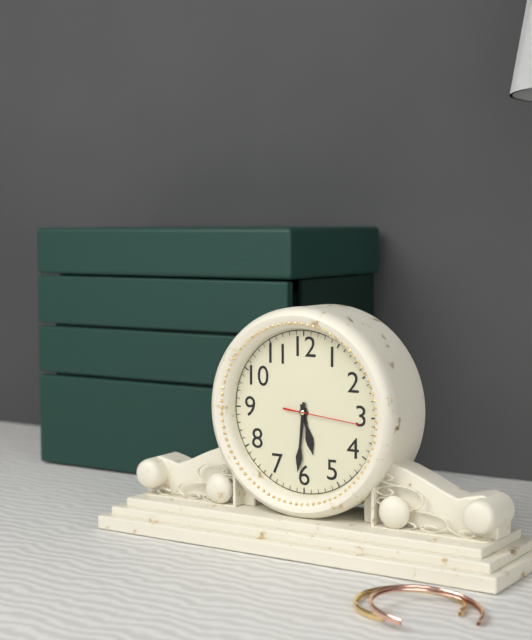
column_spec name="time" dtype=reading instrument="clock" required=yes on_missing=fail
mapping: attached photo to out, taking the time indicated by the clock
5:31:16
